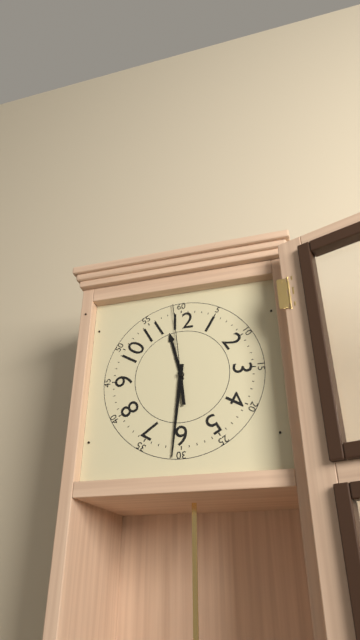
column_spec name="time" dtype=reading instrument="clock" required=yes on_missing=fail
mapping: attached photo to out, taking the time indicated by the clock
11:31:59
